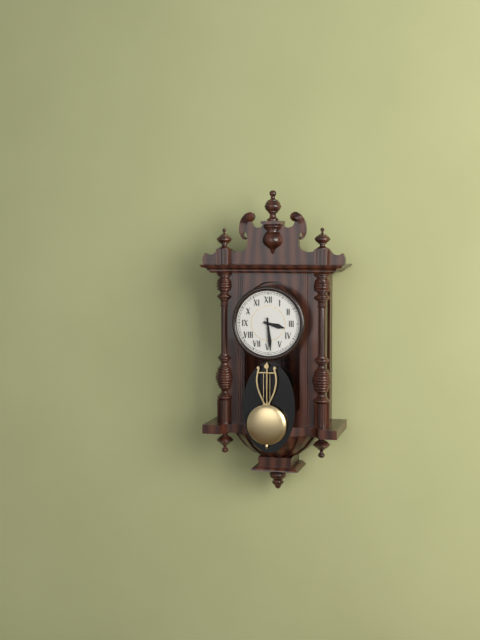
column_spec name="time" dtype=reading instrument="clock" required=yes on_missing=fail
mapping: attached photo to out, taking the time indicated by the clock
3:29
